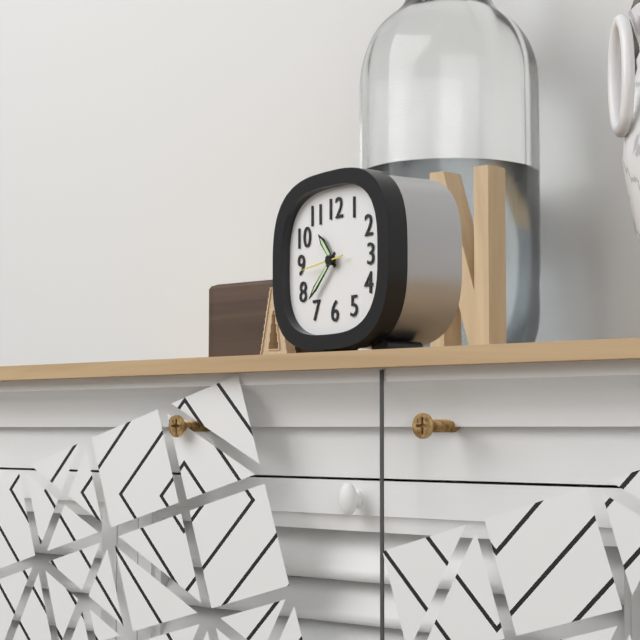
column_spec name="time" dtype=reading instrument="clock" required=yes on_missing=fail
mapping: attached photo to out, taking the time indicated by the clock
10:38
